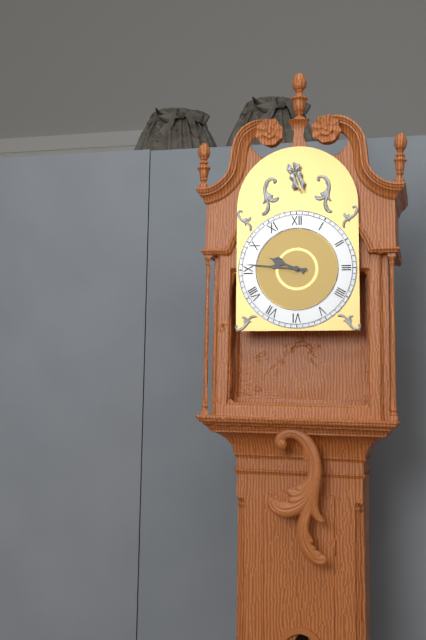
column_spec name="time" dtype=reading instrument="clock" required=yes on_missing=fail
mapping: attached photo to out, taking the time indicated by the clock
9:46
